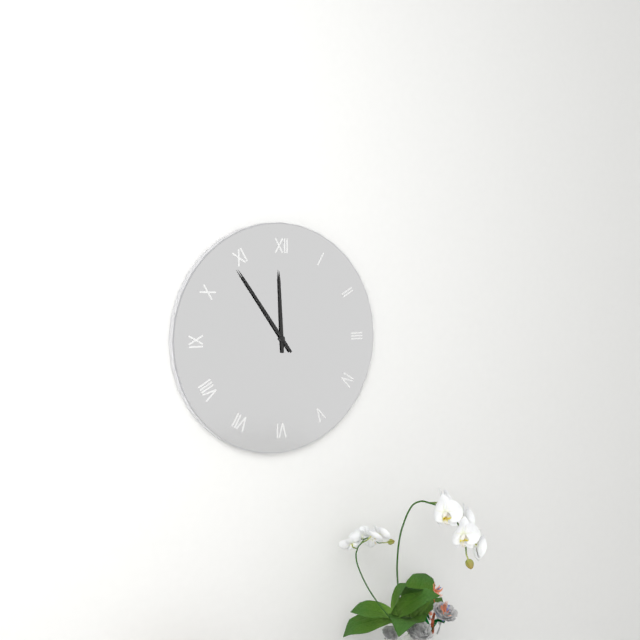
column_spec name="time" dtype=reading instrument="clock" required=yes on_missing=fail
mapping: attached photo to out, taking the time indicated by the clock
11:54
